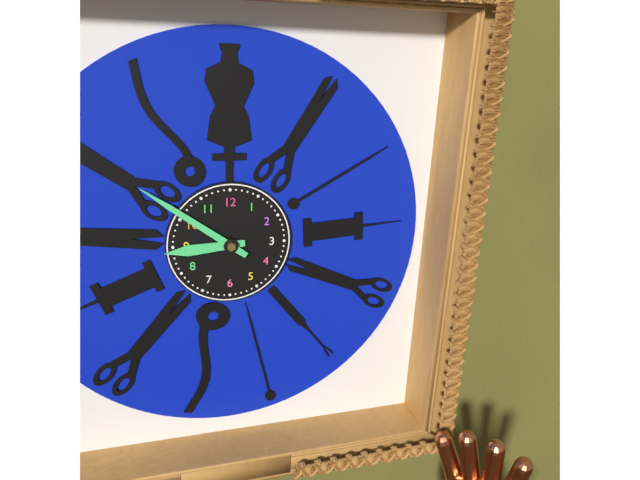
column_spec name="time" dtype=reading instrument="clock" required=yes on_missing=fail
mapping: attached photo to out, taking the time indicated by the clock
8:51
